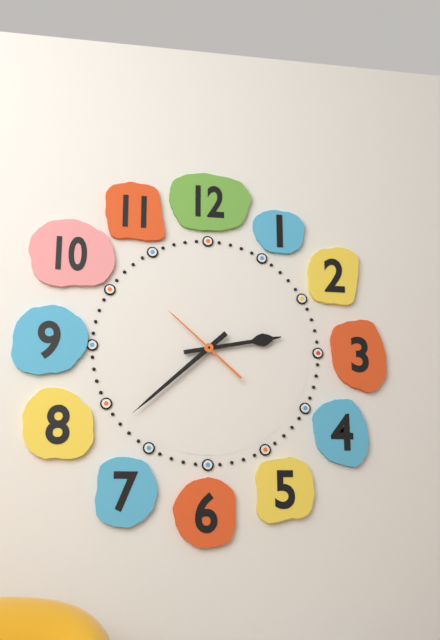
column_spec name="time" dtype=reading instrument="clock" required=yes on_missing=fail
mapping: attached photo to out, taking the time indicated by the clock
2:38:52
